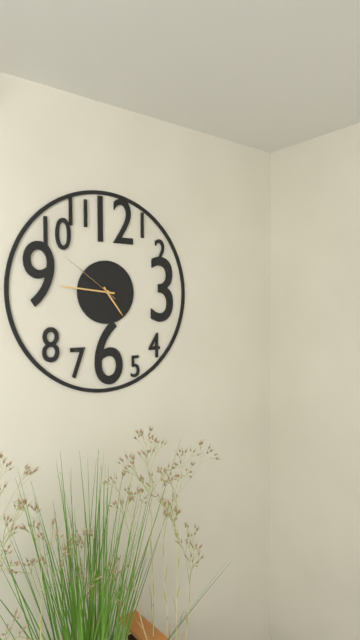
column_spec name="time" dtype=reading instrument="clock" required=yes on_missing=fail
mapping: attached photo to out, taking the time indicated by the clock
4:46:51
